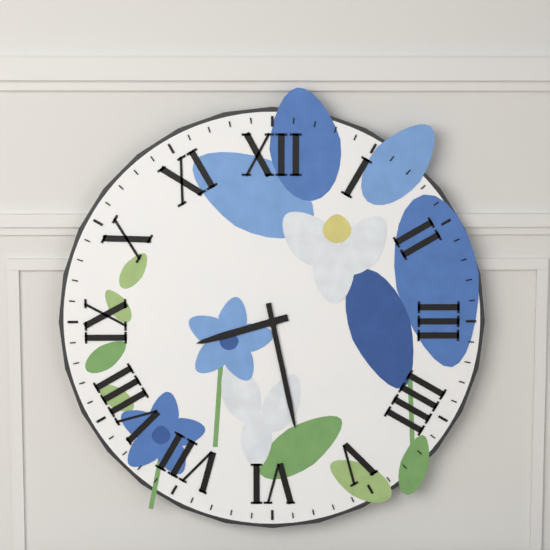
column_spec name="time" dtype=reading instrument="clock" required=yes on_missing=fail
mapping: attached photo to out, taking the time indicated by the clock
8:28
